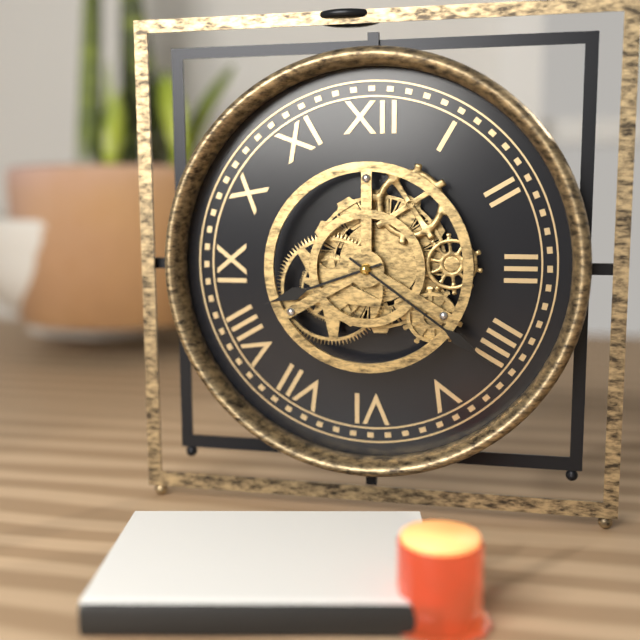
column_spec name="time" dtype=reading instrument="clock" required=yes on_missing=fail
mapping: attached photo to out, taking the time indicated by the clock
8:21
